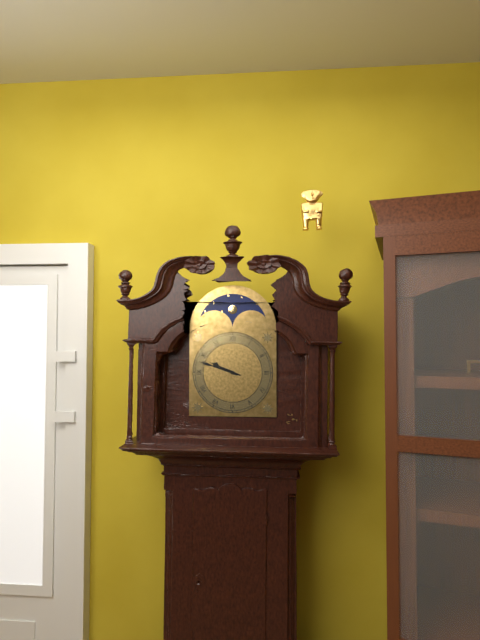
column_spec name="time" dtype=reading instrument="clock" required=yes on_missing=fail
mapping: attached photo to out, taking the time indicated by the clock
9:48
